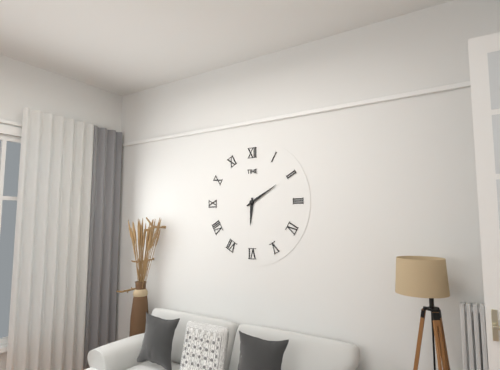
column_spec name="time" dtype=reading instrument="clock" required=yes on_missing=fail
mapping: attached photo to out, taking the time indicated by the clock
6:10
